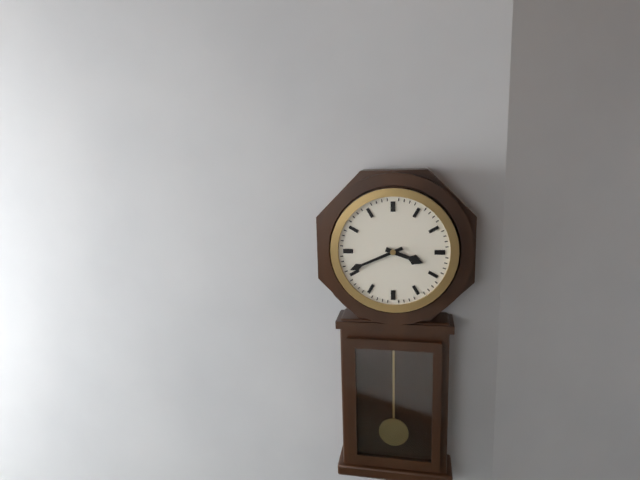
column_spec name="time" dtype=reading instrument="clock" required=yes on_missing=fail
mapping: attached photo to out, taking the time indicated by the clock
3:41
